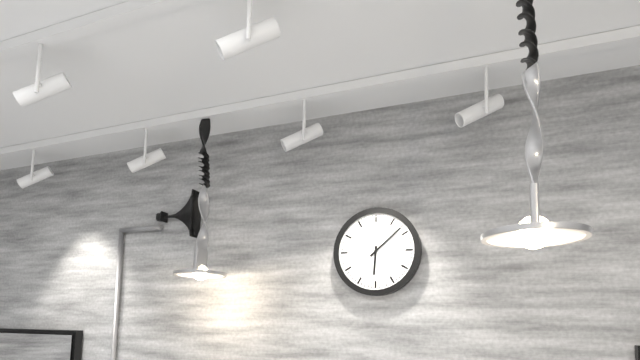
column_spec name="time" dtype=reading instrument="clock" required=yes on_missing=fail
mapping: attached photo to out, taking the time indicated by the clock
6:08
